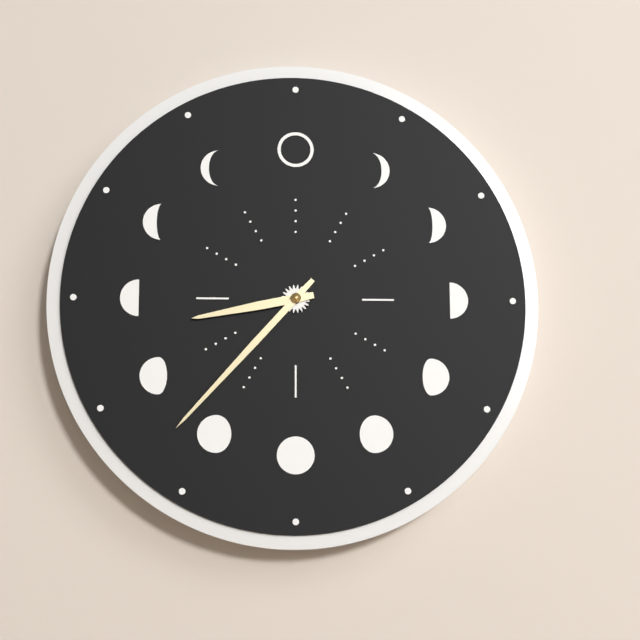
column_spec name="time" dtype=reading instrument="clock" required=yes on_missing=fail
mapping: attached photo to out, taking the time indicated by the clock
8:37
